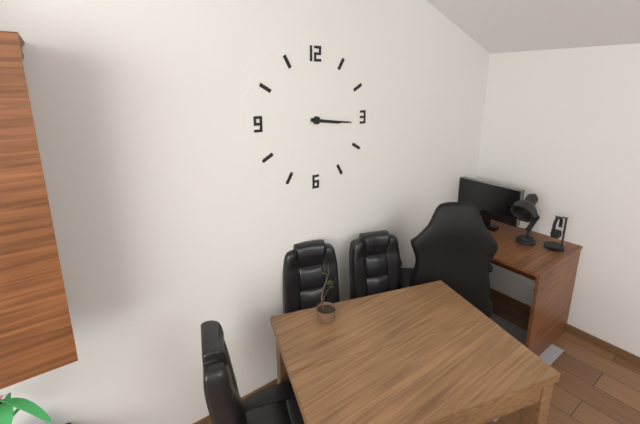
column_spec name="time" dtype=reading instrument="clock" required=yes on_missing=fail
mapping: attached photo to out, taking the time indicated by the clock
3:16
